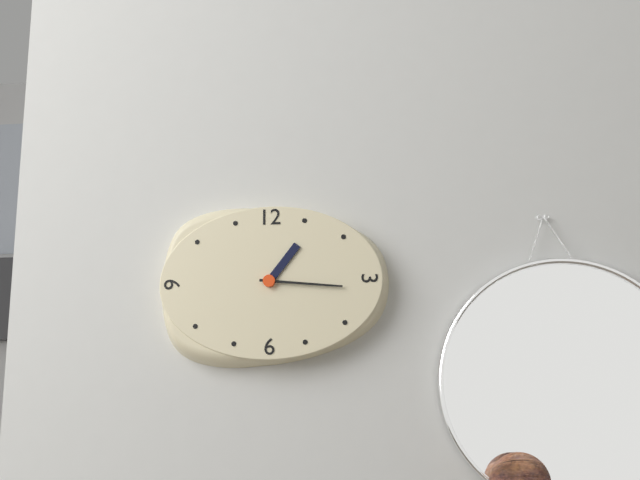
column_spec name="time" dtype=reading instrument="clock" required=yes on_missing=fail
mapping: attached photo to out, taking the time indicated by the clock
1:16
